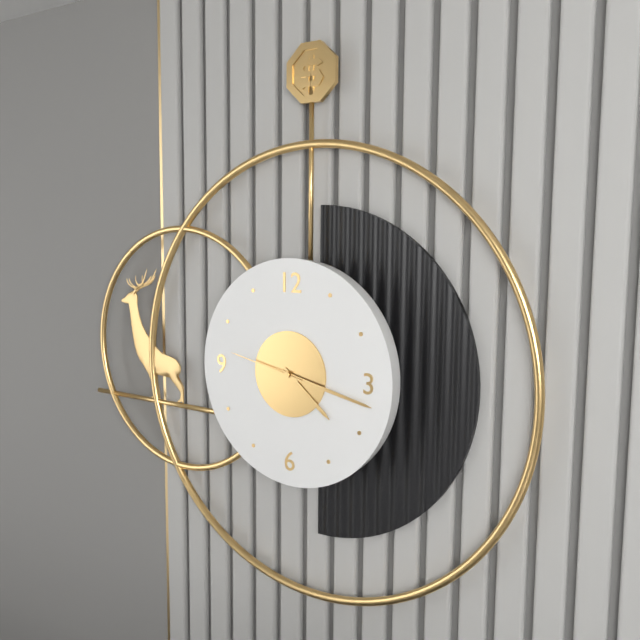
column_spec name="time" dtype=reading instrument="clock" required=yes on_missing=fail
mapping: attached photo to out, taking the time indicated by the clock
4:17:47
